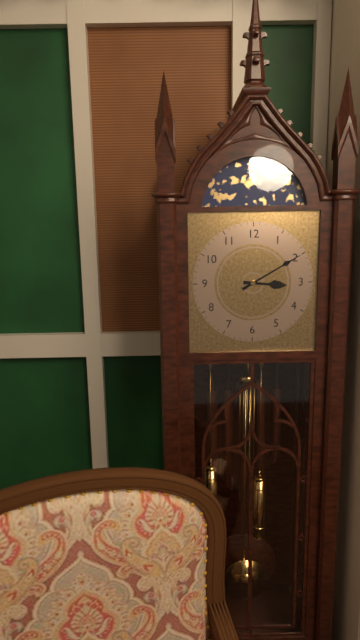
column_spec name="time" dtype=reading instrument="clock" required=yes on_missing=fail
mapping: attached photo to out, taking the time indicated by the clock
3:10
